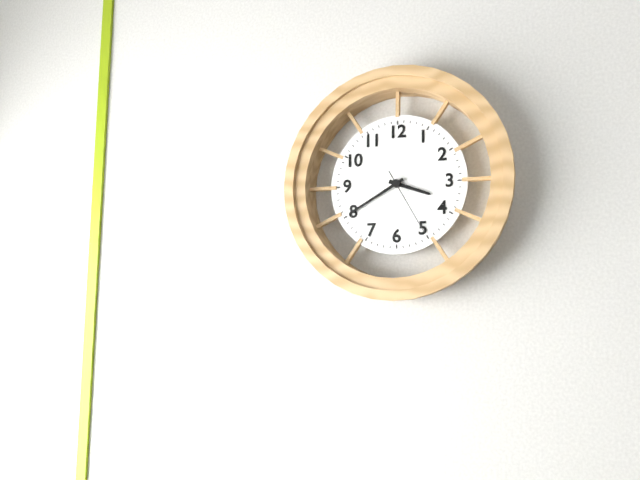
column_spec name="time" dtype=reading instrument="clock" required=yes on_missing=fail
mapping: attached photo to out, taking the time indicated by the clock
3:40:25
